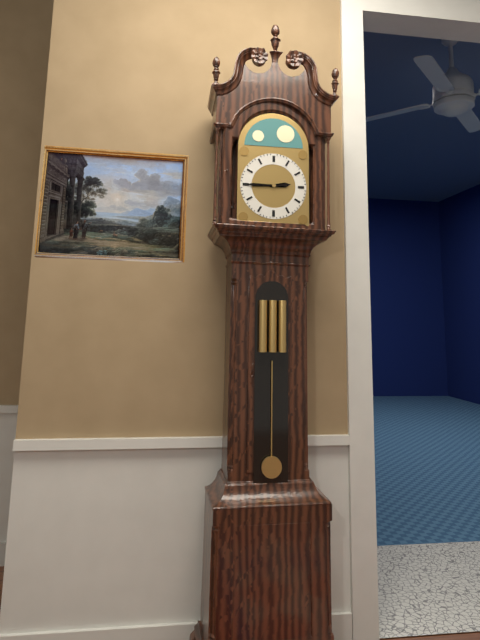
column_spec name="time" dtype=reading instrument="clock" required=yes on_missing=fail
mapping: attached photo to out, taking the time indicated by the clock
2:45
